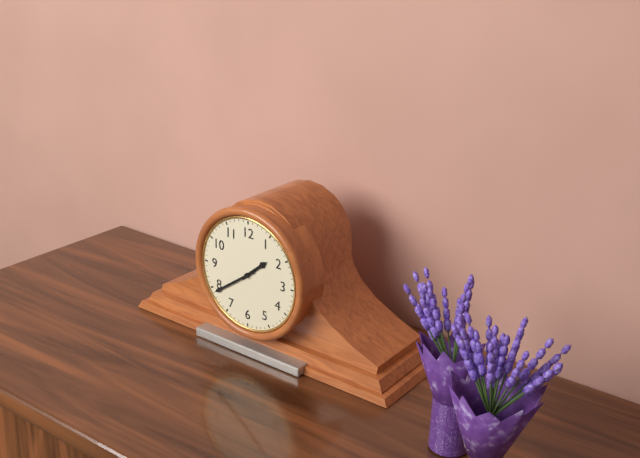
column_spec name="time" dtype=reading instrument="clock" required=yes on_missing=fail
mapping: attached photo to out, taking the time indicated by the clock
1:39
